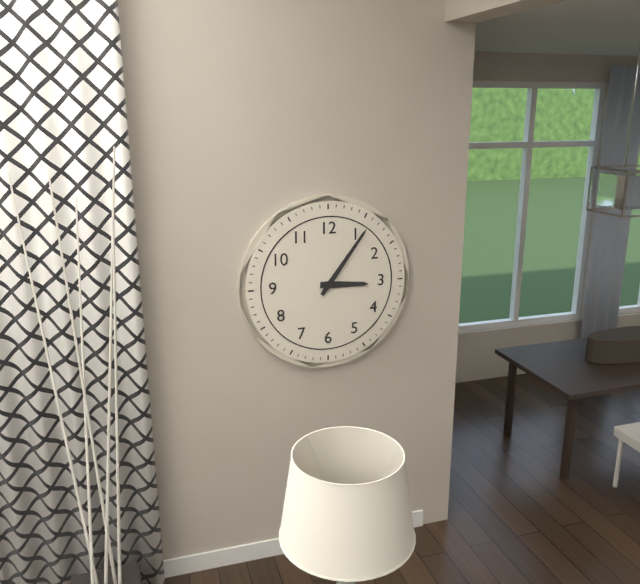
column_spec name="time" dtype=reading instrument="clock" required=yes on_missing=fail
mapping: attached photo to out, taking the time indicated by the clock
3:06
